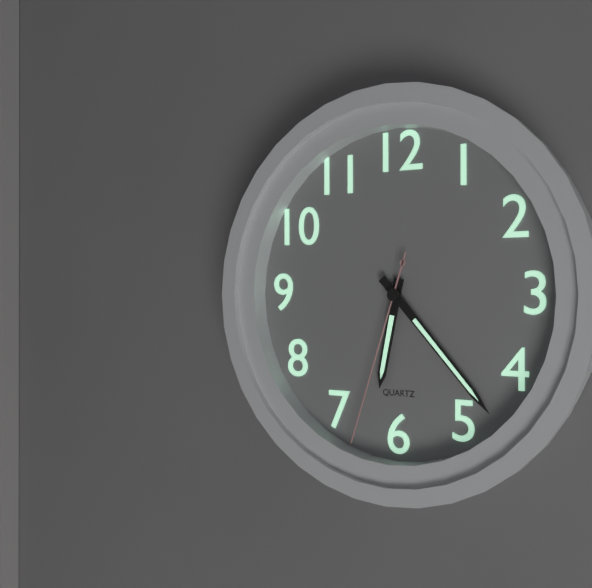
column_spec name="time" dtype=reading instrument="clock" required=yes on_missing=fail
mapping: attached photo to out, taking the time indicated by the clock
6:23:33
